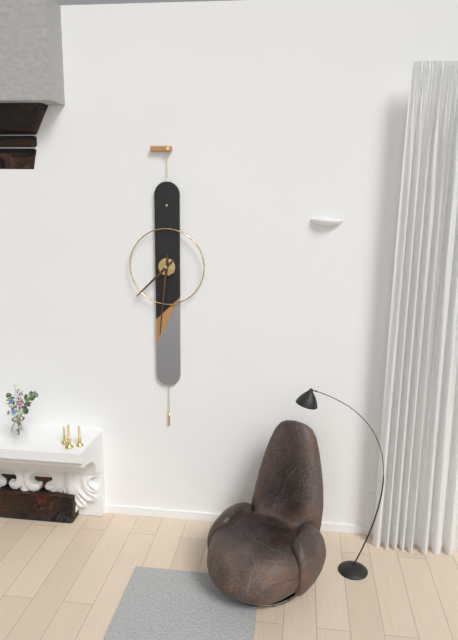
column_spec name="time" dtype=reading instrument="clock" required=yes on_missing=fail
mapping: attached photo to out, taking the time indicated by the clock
7:31
